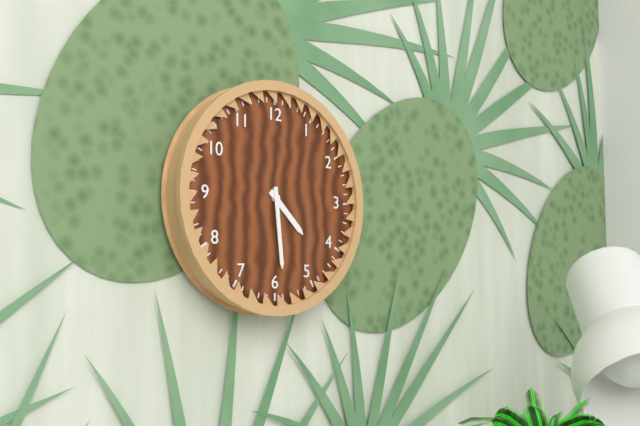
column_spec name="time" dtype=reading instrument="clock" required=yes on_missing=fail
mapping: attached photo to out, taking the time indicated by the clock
4:29
